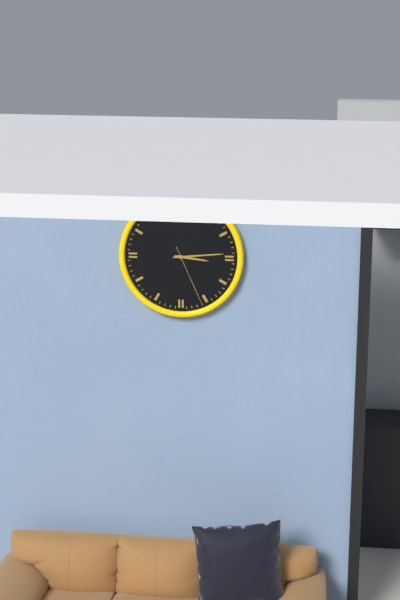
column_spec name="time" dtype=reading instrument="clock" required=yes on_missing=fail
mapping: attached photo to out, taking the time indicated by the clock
3:14:26
